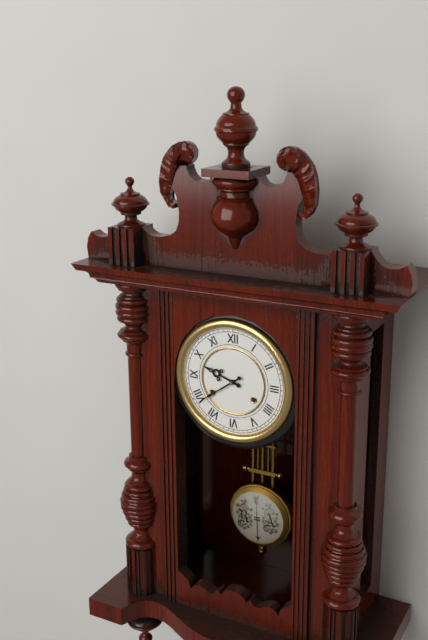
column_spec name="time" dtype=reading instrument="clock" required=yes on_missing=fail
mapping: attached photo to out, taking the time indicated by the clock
9:39
